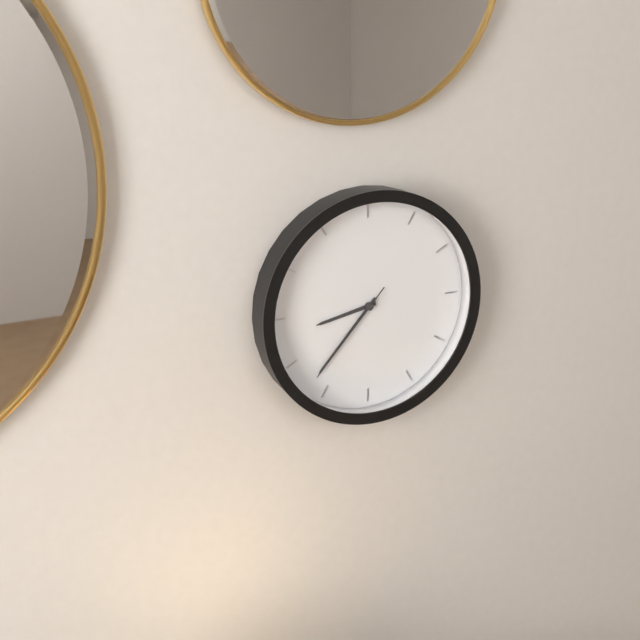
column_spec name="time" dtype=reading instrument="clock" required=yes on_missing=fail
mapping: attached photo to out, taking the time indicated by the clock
8:37:37
